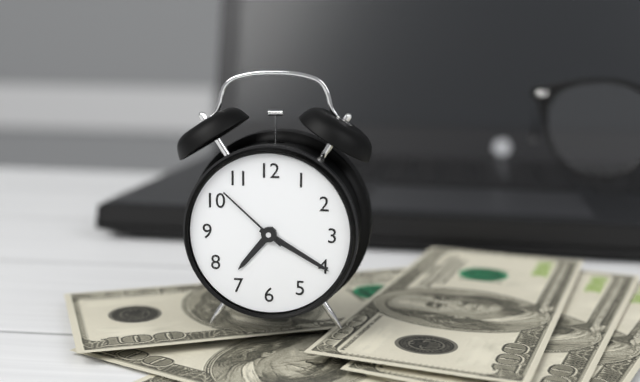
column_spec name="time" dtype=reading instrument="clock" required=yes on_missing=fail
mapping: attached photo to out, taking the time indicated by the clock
7:20:52
